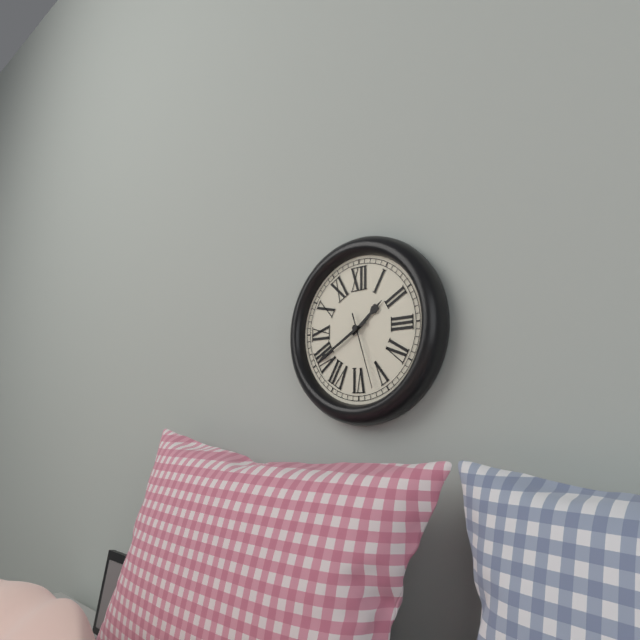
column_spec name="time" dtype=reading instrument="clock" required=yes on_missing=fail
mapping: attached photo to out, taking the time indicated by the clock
1:40:27
